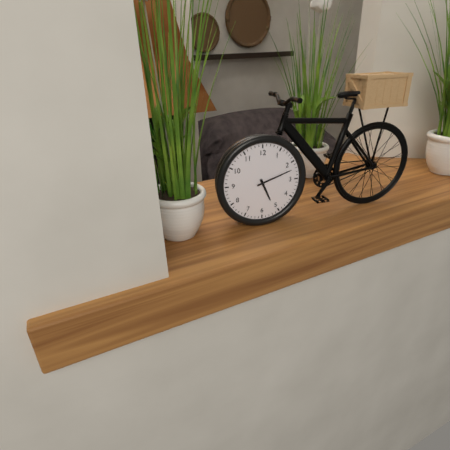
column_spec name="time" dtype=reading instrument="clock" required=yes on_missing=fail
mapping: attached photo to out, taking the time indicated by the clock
5:12
